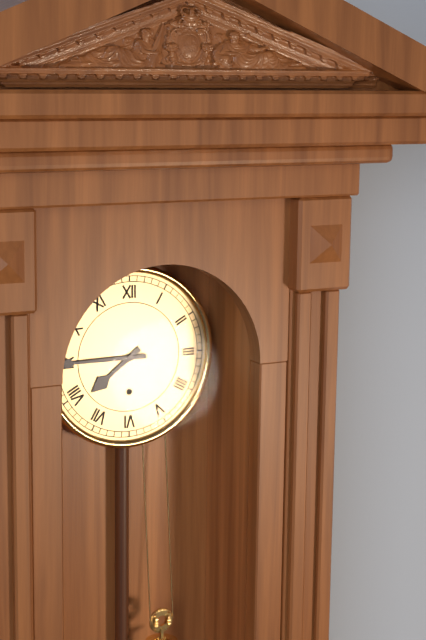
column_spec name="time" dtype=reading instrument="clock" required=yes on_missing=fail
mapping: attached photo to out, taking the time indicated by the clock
7:45
